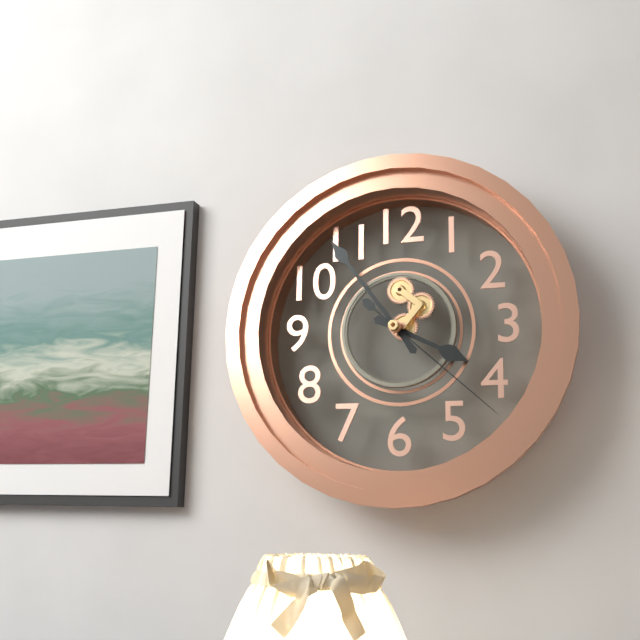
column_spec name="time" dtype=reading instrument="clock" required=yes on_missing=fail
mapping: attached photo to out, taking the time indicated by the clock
3:54:22
